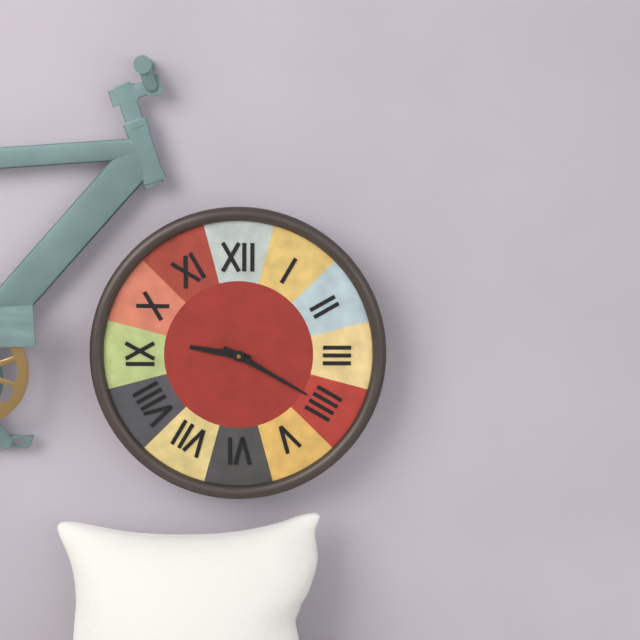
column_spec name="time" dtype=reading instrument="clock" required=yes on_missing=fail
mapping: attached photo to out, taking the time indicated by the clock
9:20
